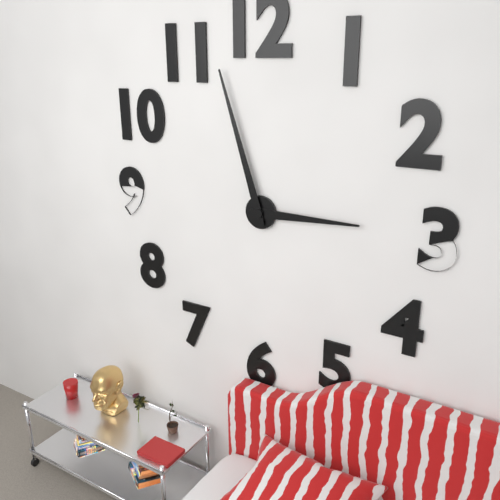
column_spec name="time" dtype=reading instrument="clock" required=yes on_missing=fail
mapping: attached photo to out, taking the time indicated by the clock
2:57
